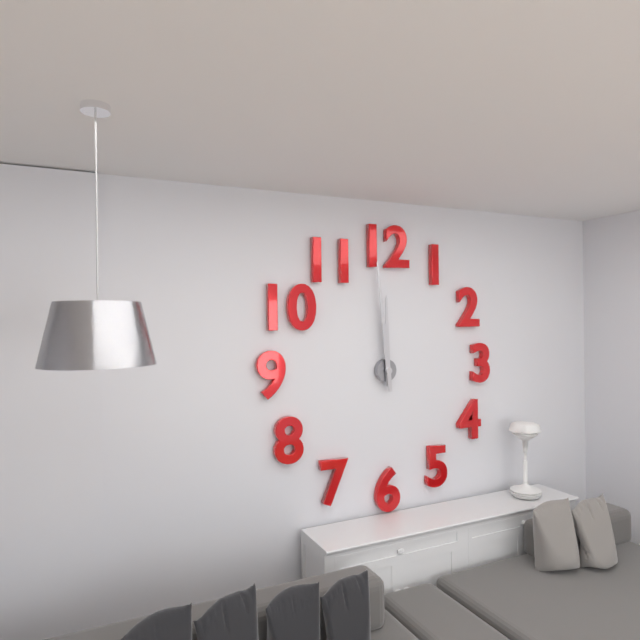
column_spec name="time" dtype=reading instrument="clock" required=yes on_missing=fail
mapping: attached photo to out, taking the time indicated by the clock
11:59
